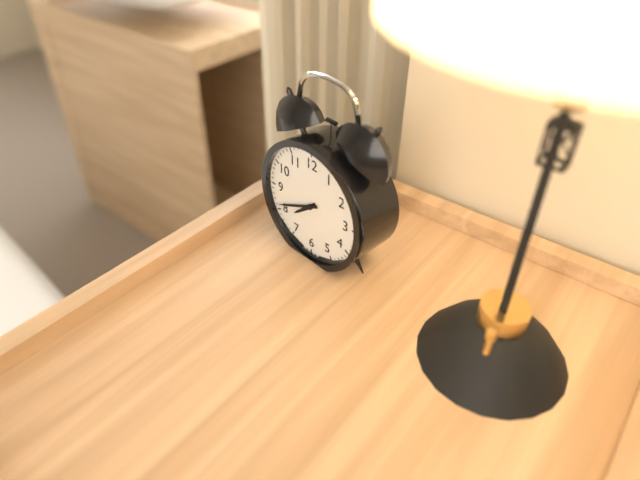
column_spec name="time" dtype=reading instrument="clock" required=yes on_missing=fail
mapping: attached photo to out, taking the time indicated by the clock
7:41
